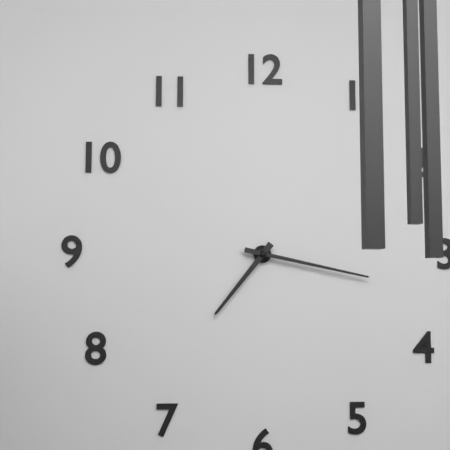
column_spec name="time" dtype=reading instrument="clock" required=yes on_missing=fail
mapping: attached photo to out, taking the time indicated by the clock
7:17
